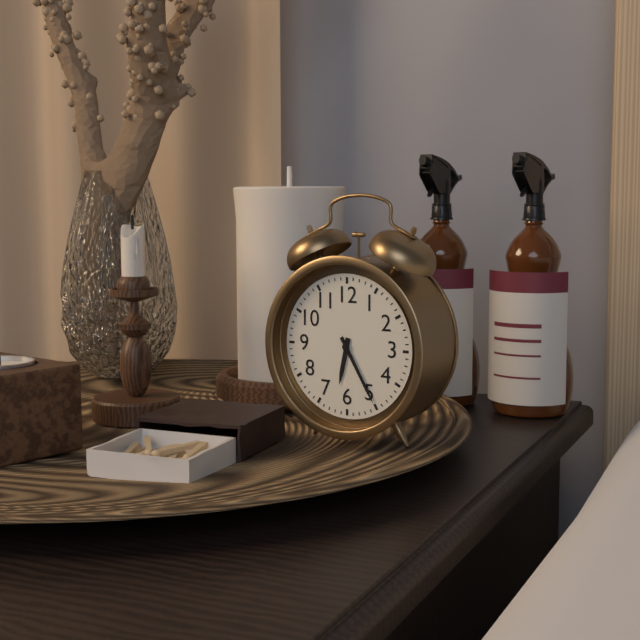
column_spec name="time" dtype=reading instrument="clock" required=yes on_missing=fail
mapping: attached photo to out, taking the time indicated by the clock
6:25
